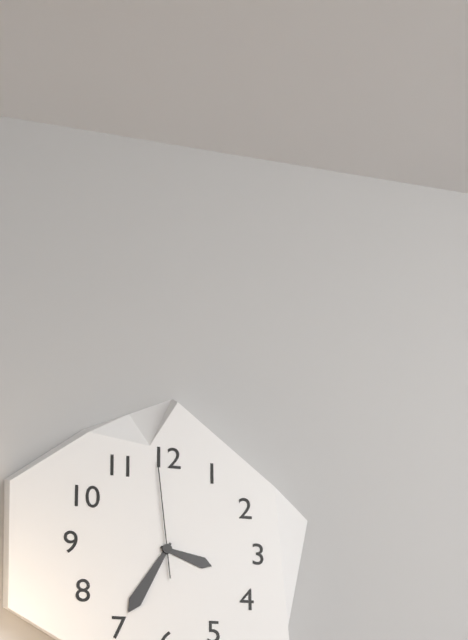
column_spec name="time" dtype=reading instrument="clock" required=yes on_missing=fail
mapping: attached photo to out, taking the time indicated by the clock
3:35:59
